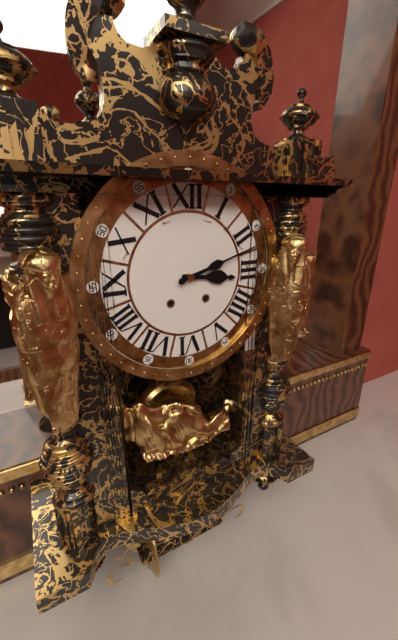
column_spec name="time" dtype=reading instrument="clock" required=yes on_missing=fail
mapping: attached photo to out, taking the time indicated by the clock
3:12
